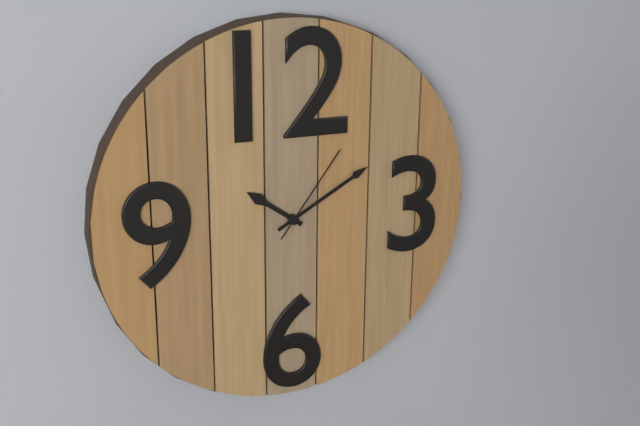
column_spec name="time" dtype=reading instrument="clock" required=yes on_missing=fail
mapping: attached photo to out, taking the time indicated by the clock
10:10:06
